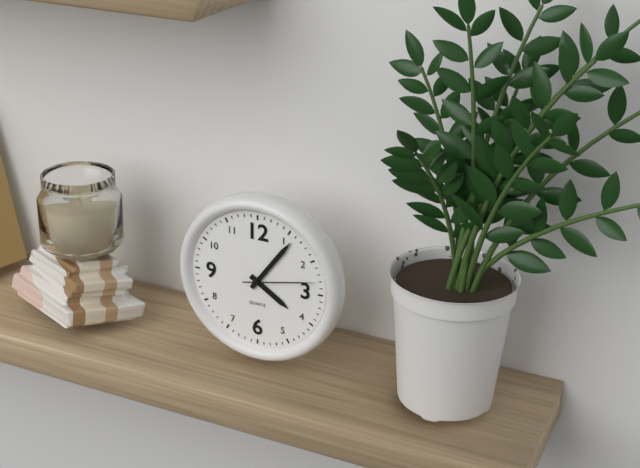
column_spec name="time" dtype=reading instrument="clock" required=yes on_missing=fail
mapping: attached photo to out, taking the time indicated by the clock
4:06:13
